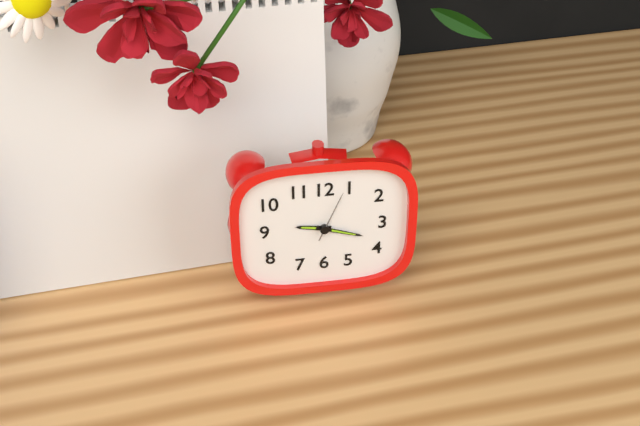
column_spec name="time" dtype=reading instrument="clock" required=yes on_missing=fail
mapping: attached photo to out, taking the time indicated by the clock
9:18:04
